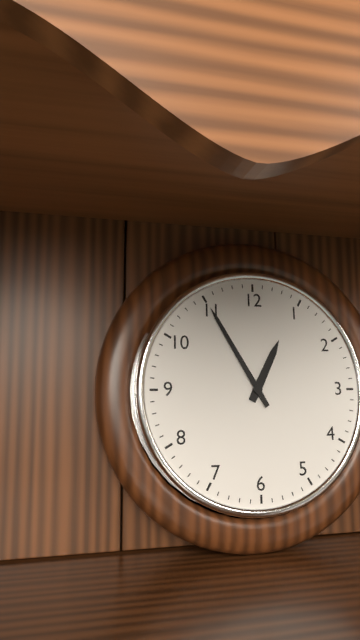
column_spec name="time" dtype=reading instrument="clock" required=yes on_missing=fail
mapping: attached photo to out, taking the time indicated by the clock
12:55
